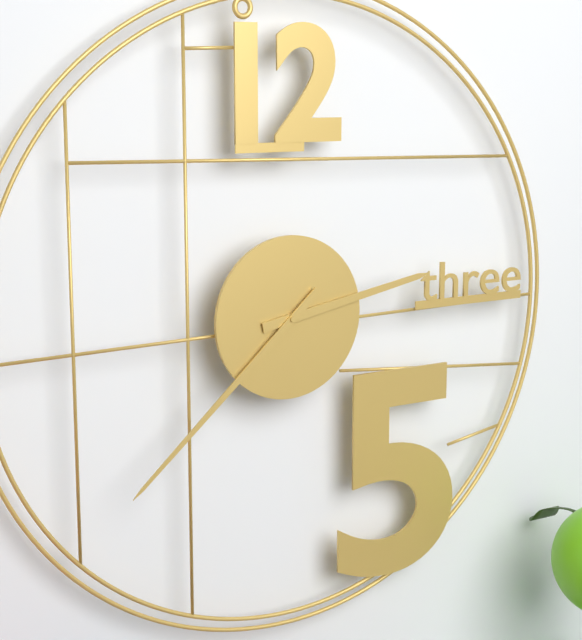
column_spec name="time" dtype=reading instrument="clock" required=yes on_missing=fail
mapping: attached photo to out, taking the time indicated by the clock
2:38
